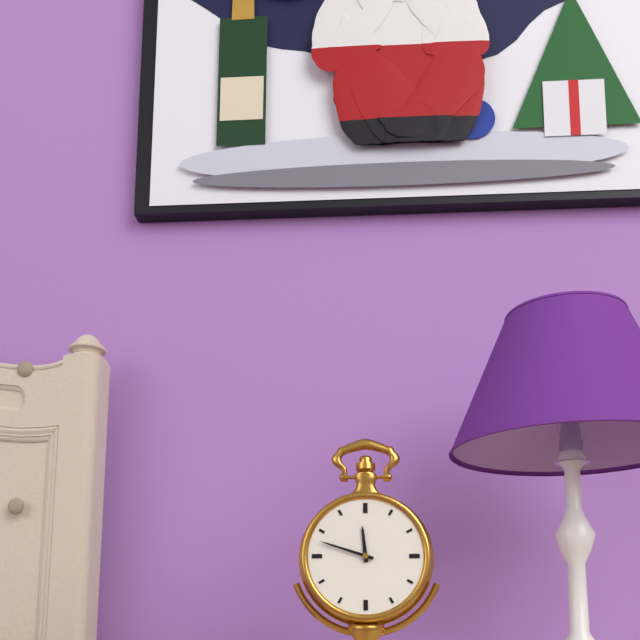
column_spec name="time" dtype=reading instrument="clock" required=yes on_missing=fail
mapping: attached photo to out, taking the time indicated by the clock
11:48
